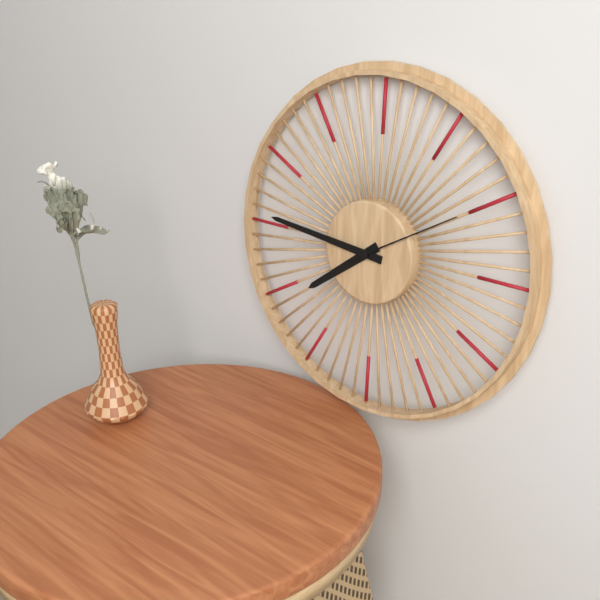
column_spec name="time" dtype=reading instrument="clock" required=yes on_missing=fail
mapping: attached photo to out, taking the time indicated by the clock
7:46:10
